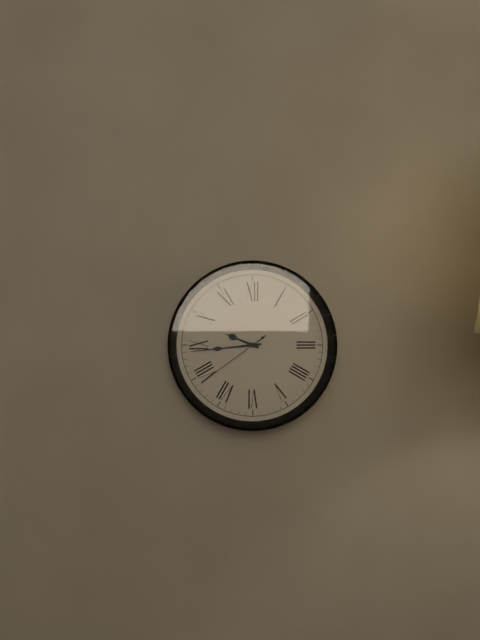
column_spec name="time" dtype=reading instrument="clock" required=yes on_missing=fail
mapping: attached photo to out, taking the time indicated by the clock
9:44:39
